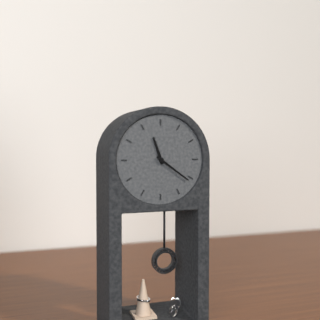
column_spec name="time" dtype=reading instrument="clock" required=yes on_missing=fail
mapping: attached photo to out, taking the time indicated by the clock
11:21
